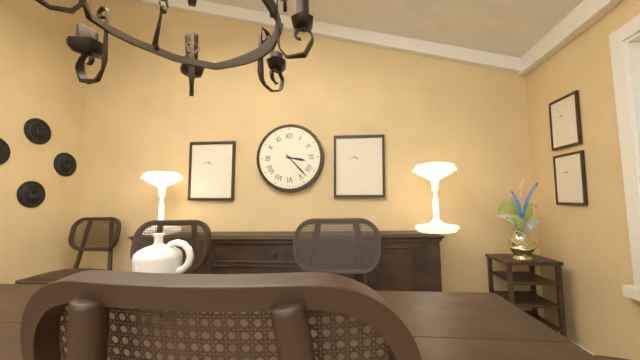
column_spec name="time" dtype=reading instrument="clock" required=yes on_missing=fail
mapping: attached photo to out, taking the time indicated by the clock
3:23
